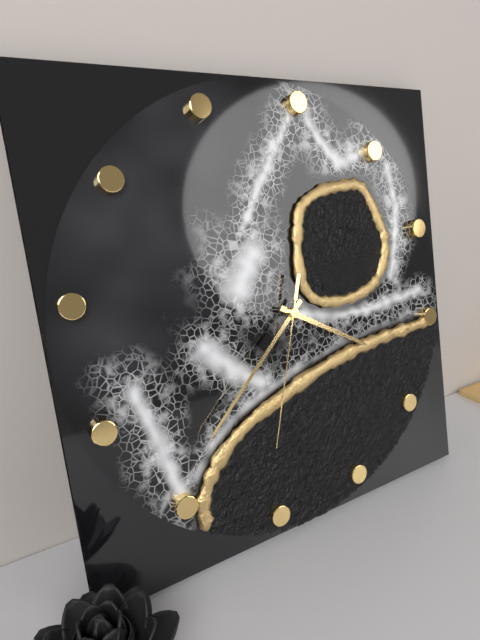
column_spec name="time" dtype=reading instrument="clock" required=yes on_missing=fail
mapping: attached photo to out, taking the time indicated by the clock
3:36:31
